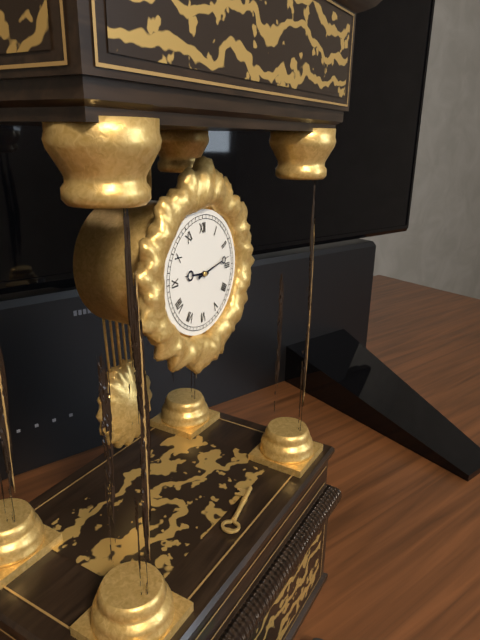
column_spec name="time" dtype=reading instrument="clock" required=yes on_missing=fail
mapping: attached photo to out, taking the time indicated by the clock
9:13
